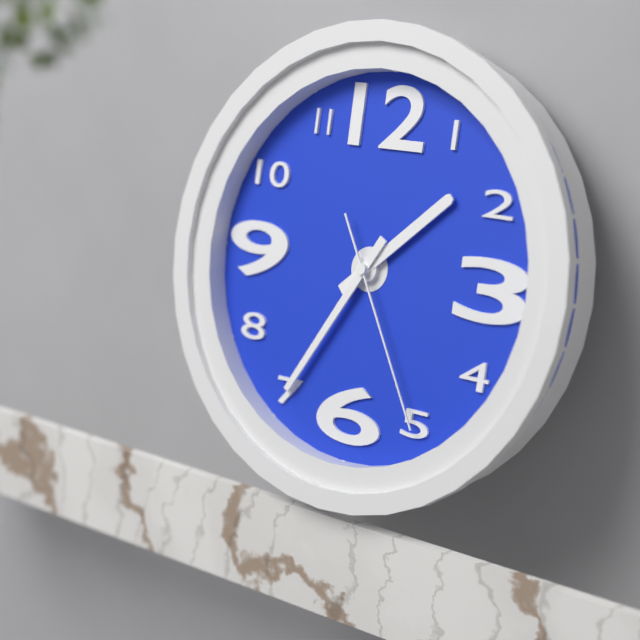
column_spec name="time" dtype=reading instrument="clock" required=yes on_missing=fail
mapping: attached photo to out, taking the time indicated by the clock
1:35:25
